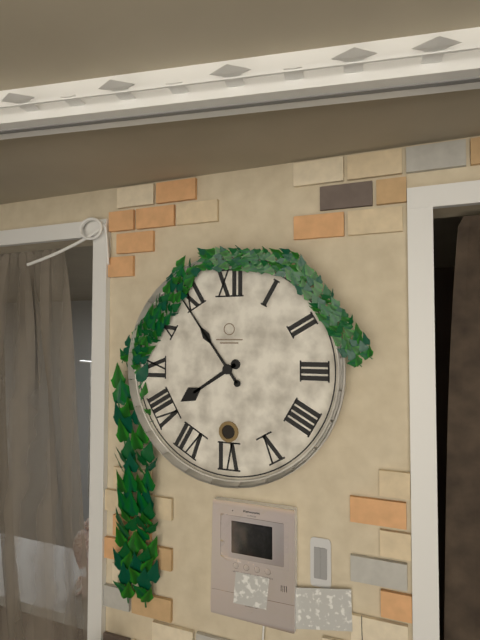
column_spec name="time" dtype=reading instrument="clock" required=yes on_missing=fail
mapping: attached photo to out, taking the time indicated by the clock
7:54
